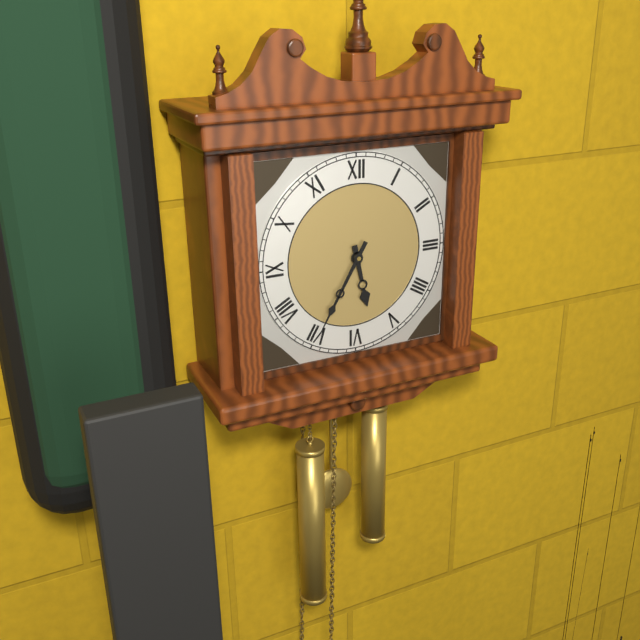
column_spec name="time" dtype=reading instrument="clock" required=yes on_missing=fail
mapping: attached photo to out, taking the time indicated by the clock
5:35
